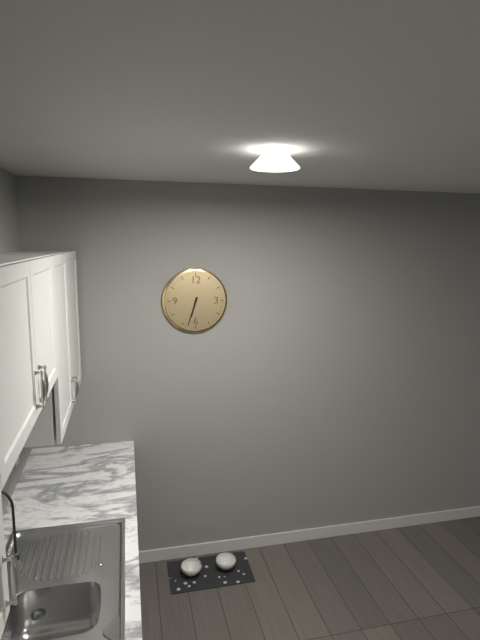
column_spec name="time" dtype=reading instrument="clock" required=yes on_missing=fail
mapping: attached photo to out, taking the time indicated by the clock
6:33
